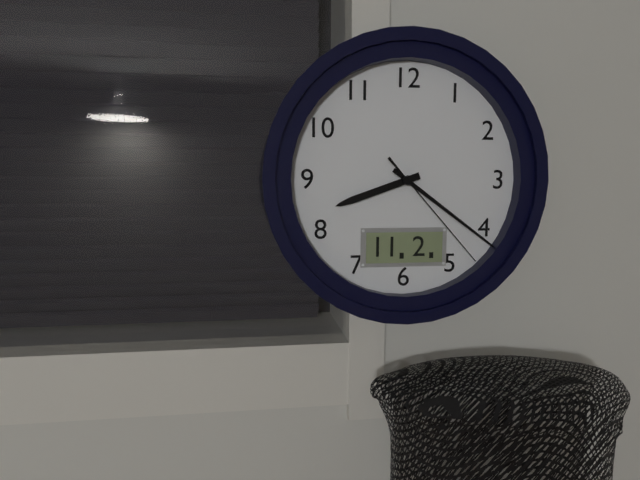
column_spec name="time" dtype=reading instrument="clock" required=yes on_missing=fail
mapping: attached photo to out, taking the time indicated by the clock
8:21:23
